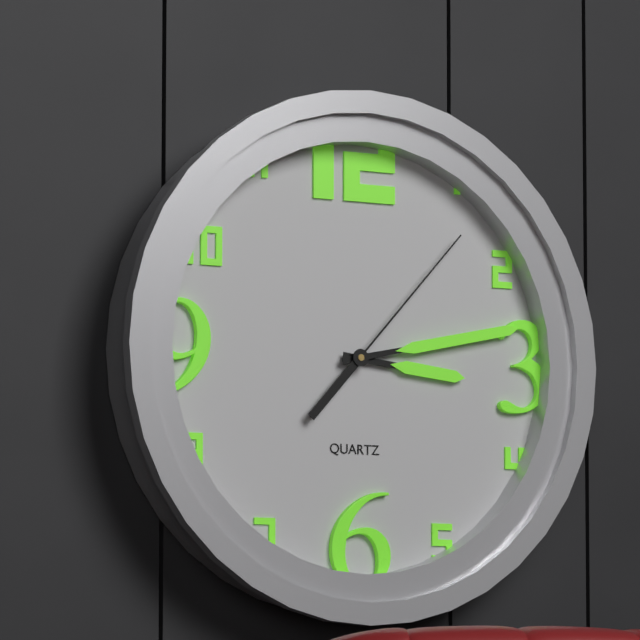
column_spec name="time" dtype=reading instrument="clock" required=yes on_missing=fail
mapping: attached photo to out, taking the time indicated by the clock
3:13:07
